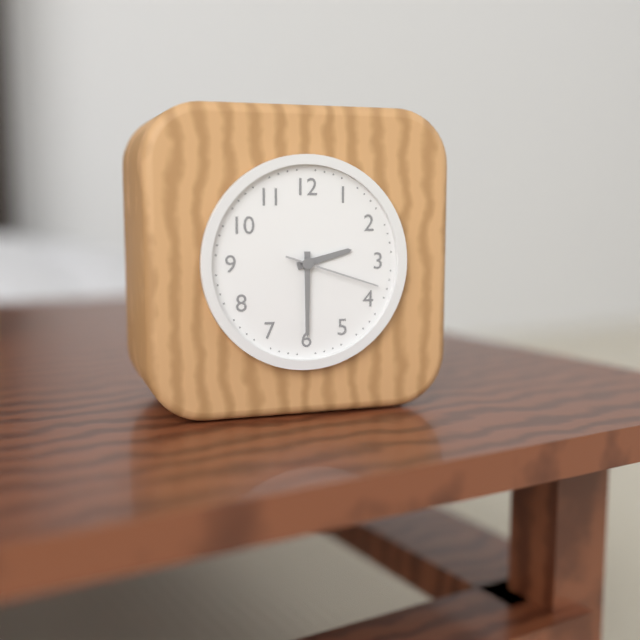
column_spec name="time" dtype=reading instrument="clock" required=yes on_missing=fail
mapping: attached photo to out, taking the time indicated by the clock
2:30:18
